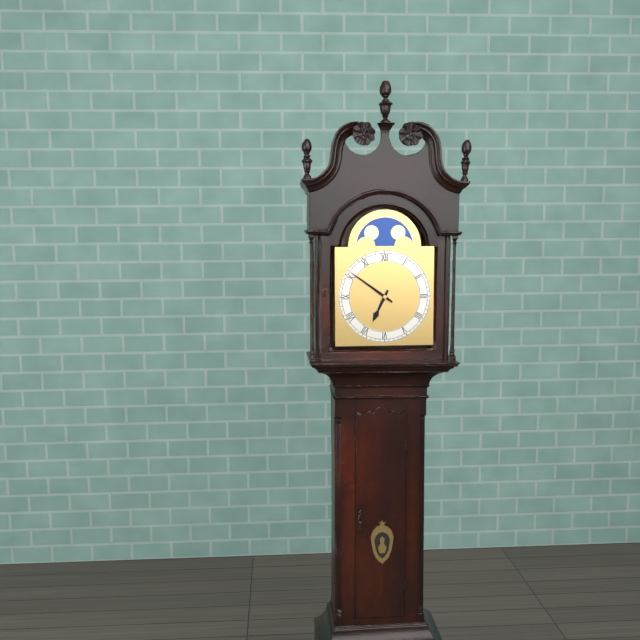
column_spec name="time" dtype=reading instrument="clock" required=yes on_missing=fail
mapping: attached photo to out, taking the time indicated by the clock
6:51
